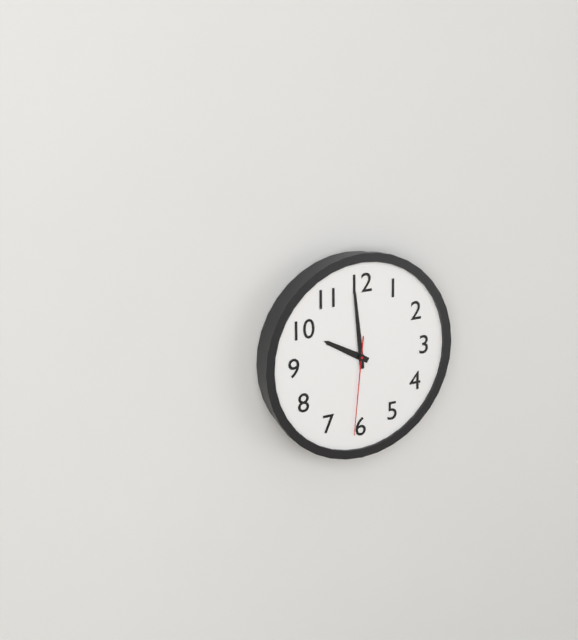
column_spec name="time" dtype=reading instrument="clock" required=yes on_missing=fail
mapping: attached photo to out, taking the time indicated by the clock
9:59:31
